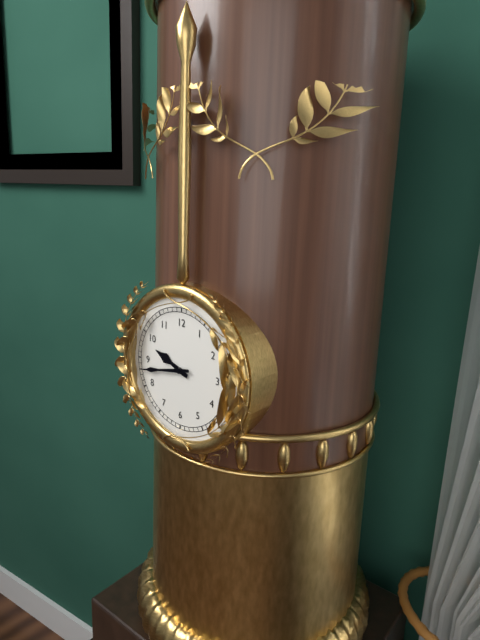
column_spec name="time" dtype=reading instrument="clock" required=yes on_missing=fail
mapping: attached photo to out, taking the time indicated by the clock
9:43
